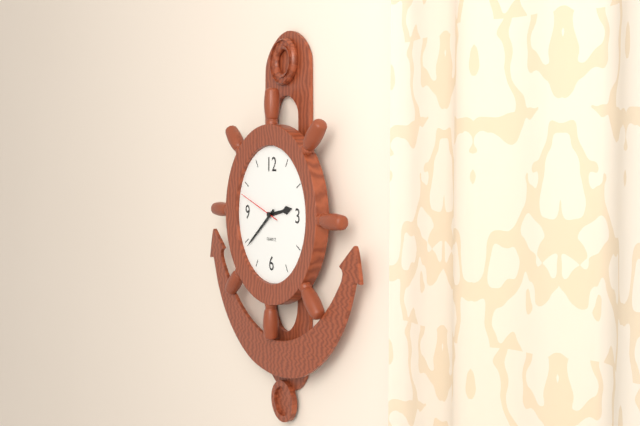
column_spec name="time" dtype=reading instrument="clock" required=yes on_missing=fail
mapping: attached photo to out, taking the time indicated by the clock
2:39
